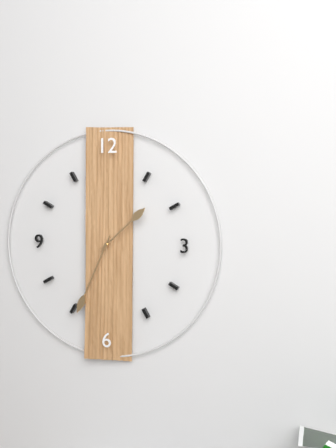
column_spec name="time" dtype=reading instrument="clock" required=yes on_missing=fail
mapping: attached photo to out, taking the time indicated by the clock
1:34
